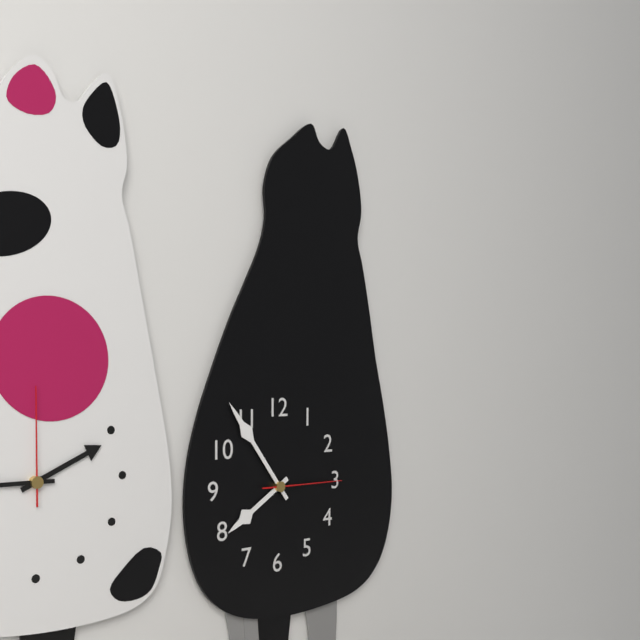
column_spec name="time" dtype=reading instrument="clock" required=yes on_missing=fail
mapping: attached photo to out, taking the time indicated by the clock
7:54:15
